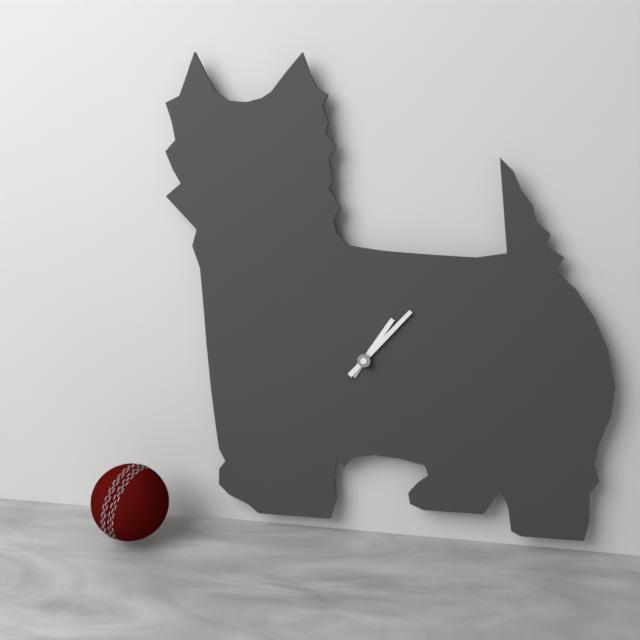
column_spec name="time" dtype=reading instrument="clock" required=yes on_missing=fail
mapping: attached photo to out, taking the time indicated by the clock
1:07
